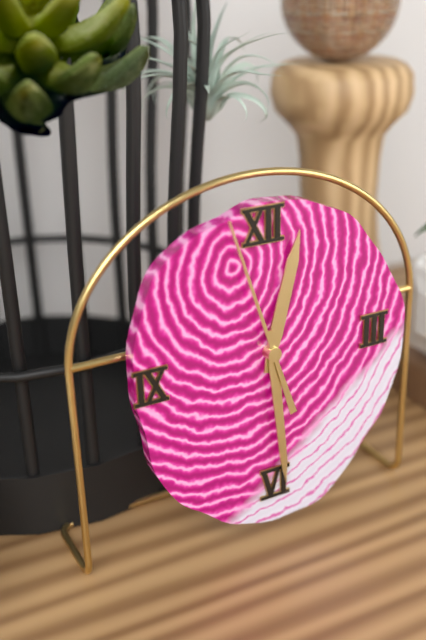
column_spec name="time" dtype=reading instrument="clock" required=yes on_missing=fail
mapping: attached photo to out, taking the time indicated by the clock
12:29:57
